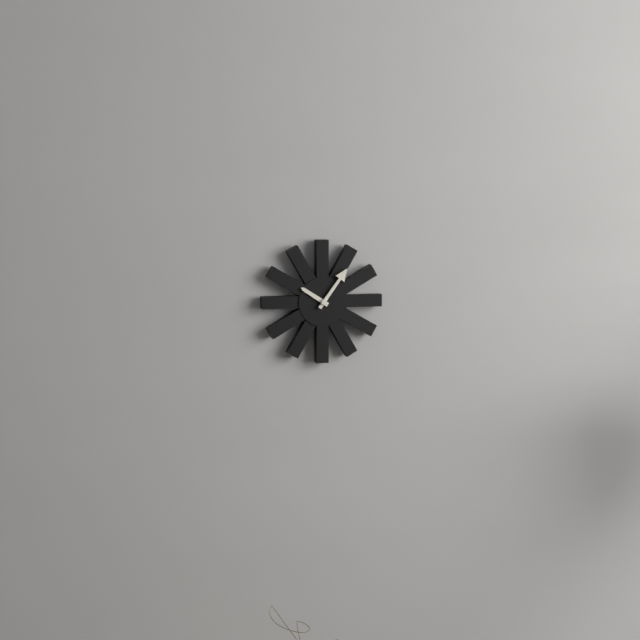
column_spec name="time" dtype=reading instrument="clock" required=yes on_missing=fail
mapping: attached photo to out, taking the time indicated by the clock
10:06
